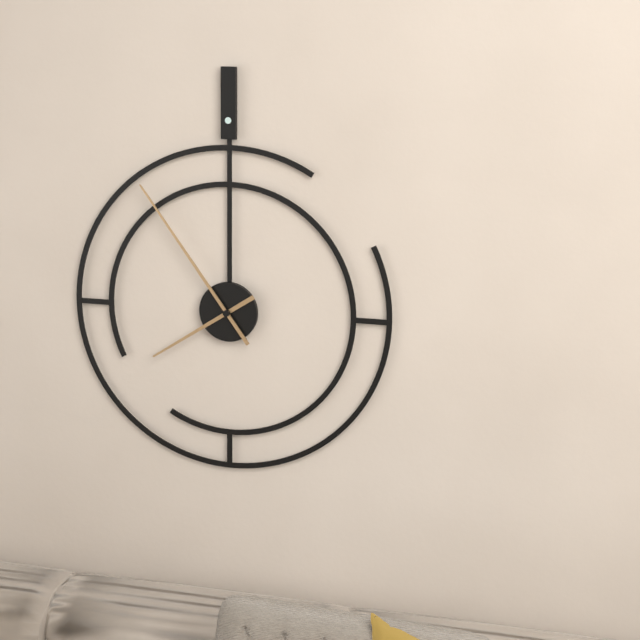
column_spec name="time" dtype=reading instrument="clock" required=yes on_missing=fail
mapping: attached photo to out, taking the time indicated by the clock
7:54
